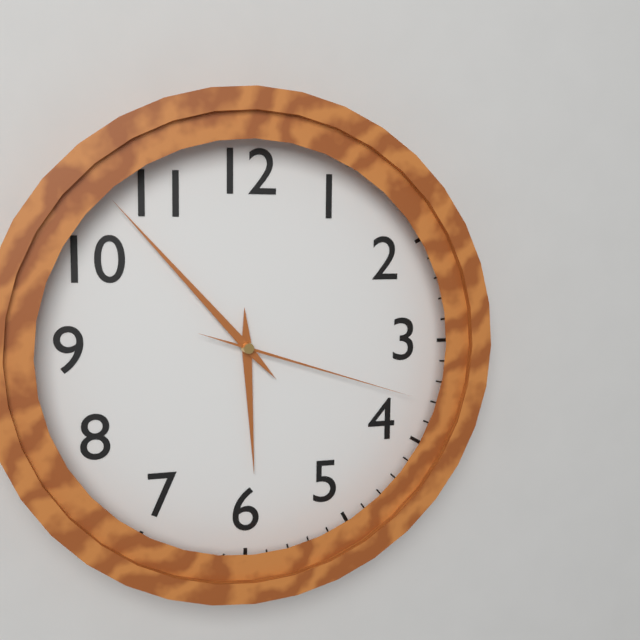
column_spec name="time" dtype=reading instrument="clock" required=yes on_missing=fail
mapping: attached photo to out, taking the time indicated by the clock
5:53:18
